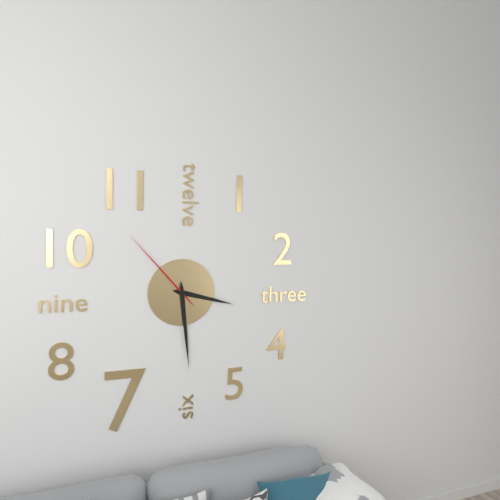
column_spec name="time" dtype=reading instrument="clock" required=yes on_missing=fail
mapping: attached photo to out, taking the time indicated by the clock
3:29:53
